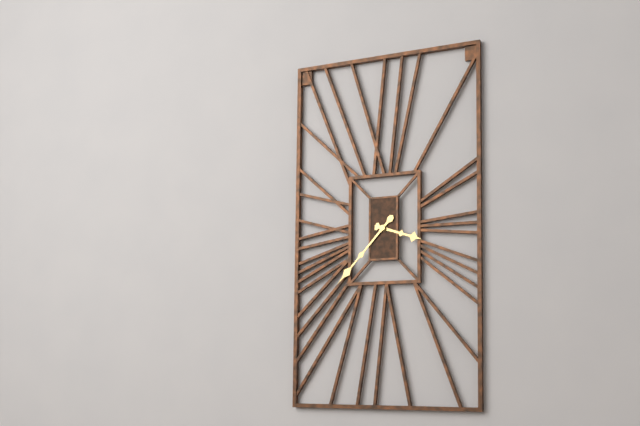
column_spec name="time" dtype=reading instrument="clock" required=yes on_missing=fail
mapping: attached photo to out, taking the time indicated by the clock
3:37
